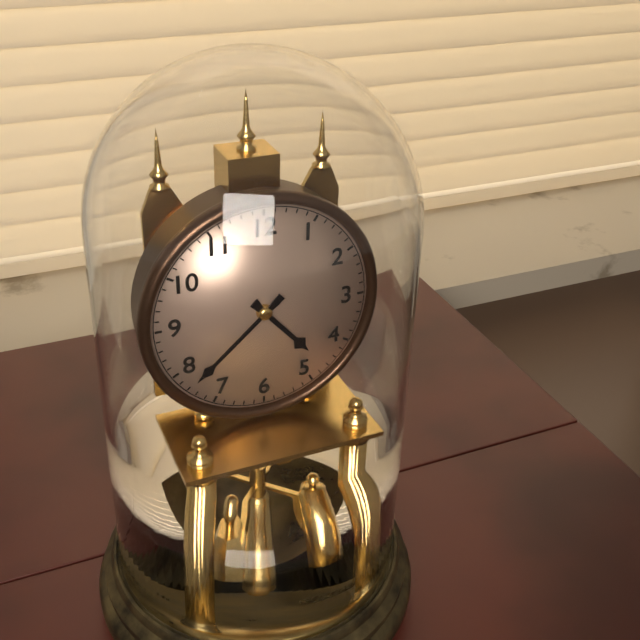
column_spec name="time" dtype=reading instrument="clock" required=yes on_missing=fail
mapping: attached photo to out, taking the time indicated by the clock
4:38
